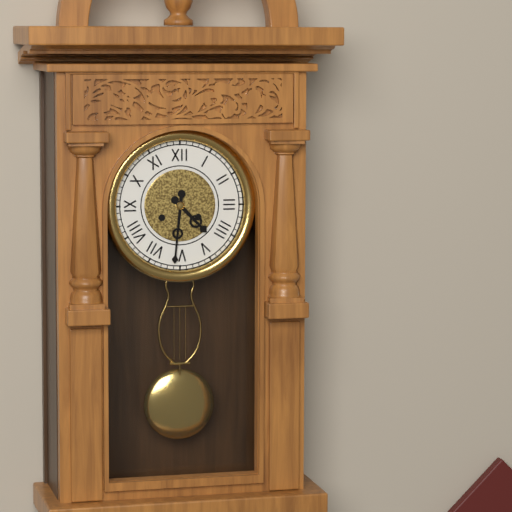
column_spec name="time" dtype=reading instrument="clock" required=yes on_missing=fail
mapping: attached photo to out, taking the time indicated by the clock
4:31
